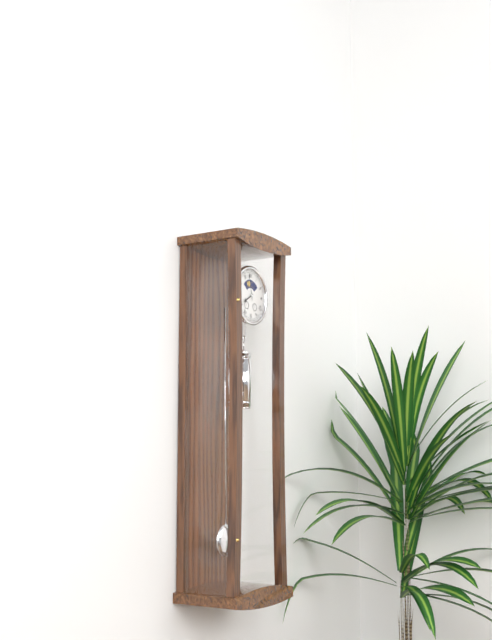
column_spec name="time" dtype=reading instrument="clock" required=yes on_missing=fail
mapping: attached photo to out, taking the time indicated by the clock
7:58
